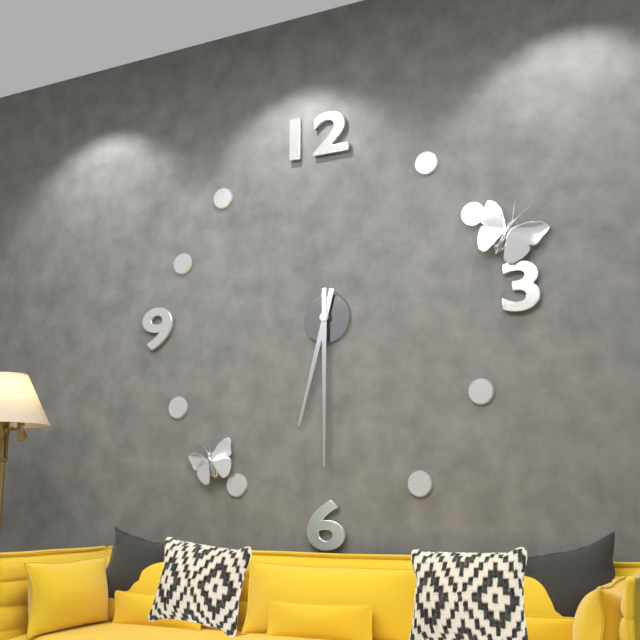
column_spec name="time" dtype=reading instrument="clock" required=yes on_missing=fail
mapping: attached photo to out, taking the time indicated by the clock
6:30
